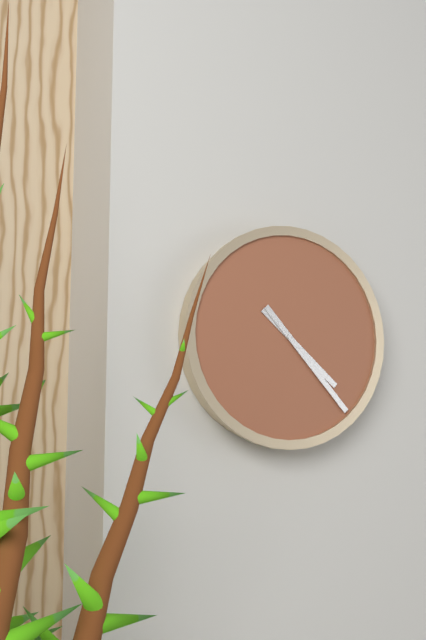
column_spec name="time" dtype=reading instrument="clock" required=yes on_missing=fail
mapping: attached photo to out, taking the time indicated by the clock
4:23
